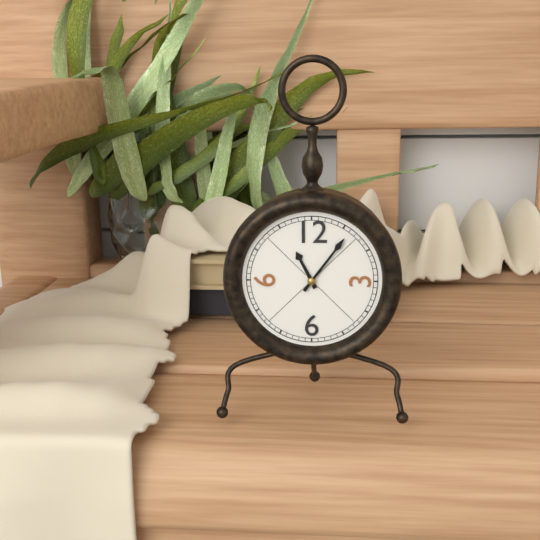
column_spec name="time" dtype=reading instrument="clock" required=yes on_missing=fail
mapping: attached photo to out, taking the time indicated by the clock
11:06
